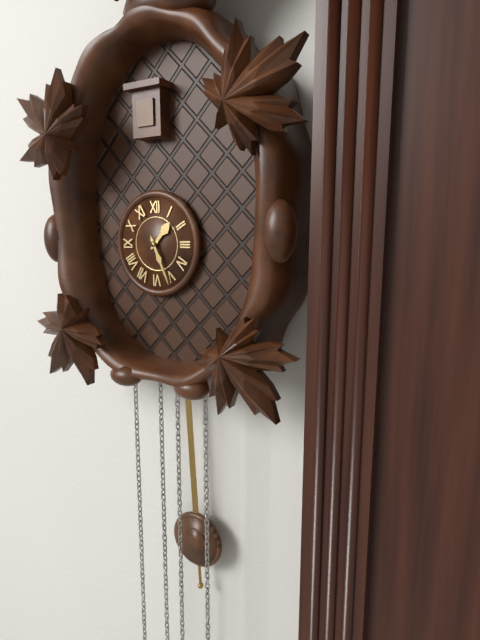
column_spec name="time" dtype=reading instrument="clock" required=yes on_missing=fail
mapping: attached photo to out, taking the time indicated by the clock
1:26
